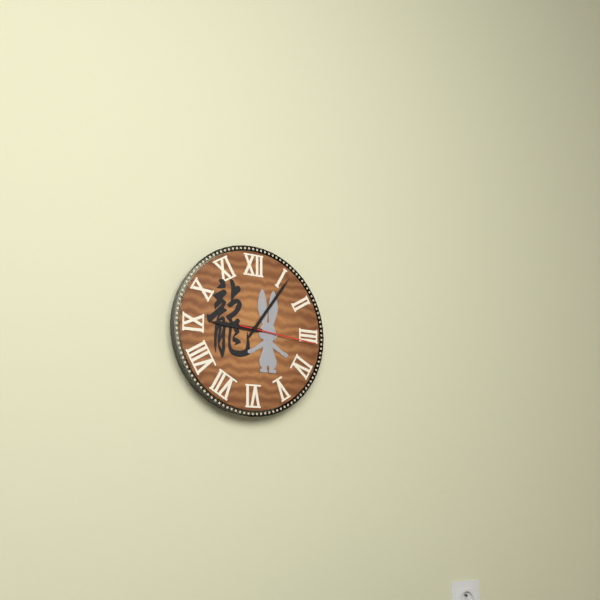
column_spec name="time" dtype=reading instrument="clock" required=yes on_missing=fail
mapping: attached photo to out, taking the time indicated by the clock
9:06:16
